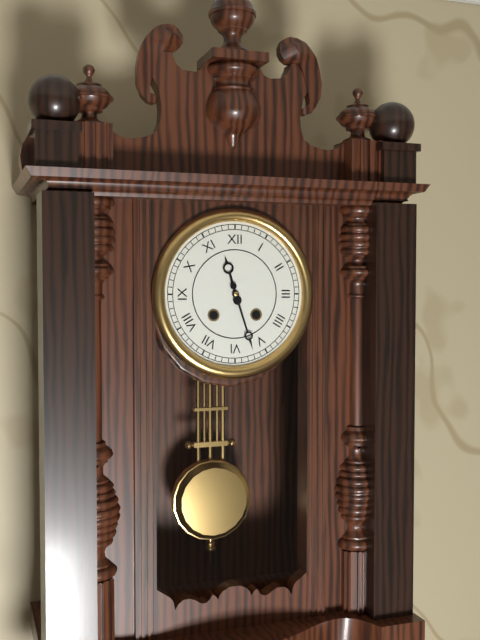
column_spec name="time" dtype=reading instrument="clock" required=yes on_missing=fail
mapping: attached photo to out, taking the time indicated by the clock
11:27
